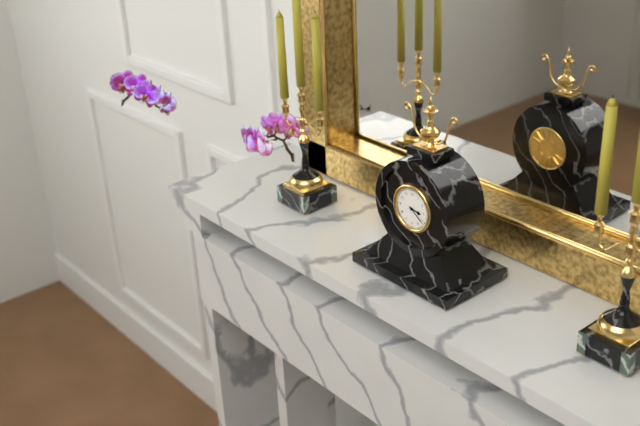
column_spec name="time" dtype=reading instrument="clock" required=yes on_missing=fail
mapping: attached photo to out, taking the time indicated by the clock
3:21
